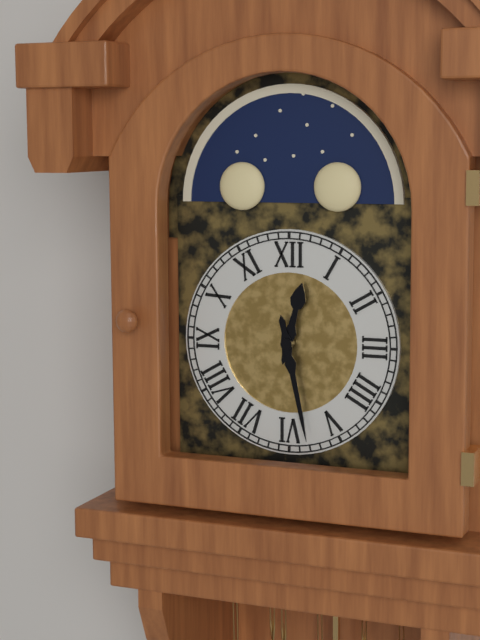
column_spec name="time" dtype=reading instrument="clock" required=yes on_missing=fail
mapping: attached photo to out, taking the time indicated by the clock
12:28
